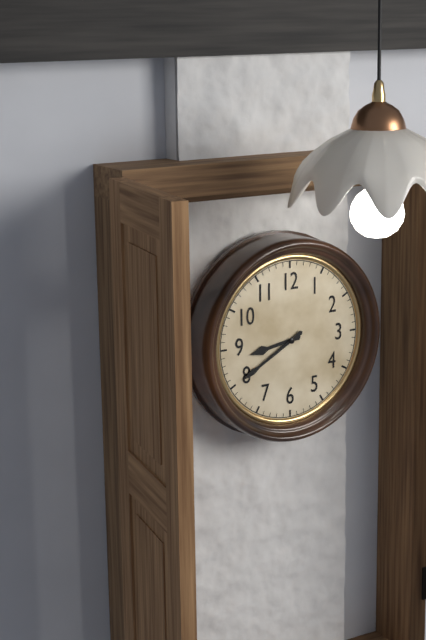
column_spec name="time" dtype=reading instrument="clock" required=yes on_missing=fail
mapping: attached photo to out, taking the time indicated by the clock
8:40
